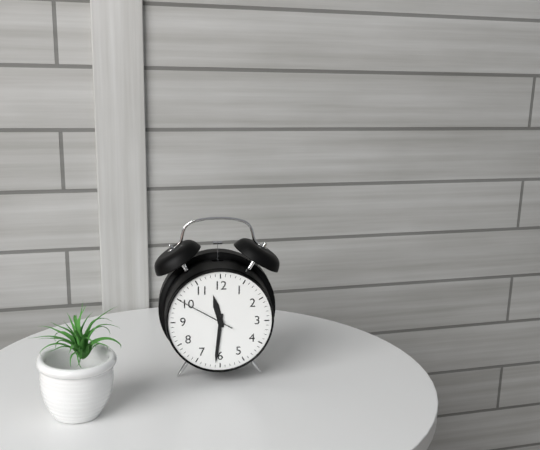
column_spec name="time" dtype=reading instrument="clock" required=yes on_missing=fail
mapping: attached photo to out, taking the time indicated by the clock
11:31:50
